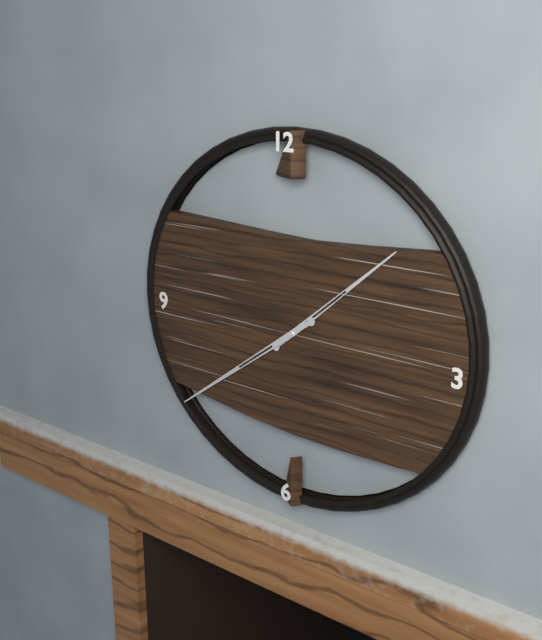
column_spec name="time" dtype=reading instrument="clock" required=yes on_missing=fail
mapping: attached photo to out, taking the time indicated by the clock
1:39
